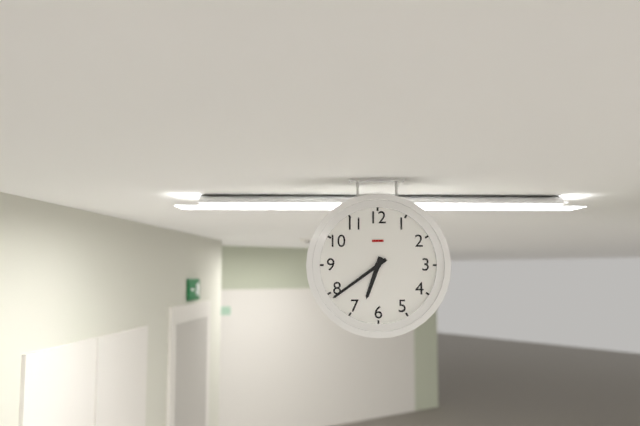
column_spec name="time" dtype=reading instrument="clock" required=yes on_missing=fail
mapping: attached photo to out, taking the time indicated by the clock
6:39
